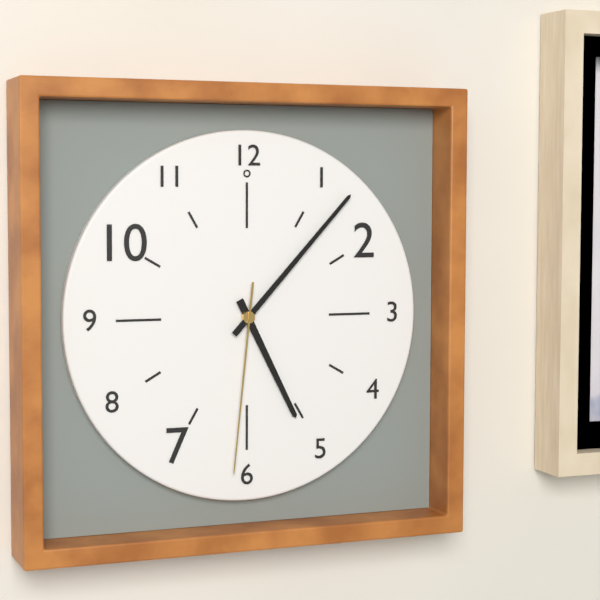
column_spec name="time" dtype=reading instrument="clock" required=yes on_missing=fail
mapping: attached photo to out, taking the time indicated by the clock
5:07:31
